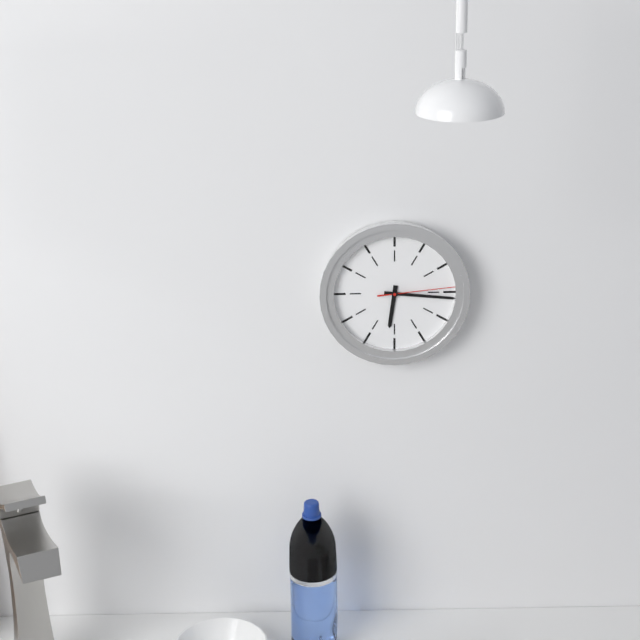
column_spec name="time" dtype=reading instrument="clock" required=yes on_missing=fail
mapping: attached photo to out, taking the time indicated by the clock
6:16:14
